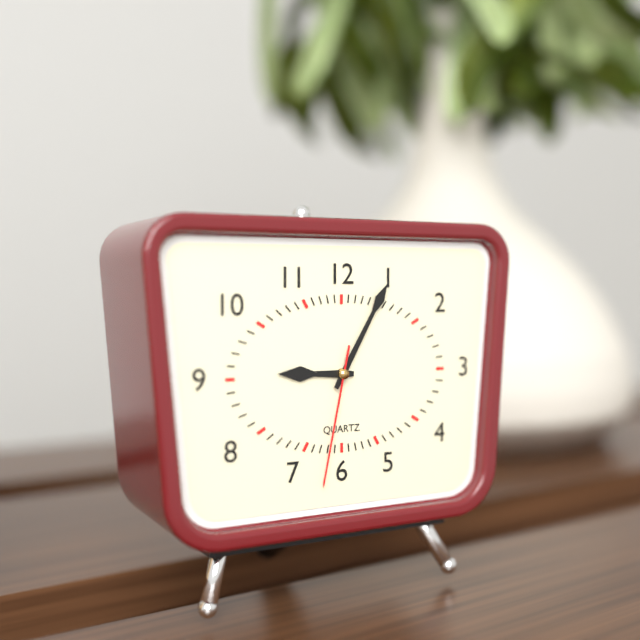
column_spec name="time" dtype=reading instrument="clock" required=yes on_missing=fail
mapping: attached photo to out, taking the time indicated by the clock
9:05:32
